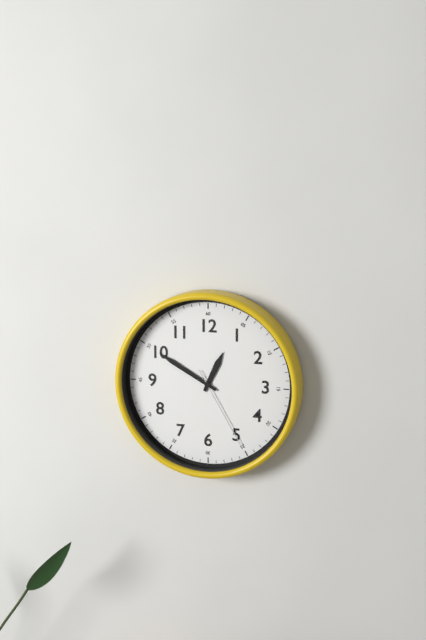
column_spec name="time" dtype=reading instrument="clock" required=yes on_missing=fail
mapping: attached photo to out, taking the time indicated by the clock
12:50:25
